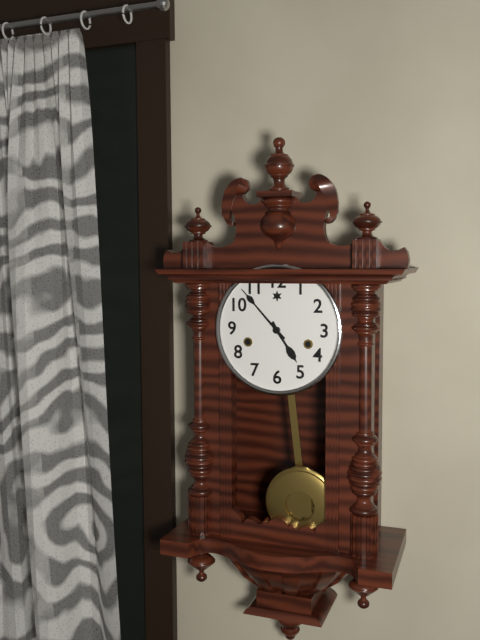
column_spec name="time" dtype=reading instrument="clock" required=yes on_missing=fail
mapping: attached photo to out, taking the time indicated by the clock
4:53
